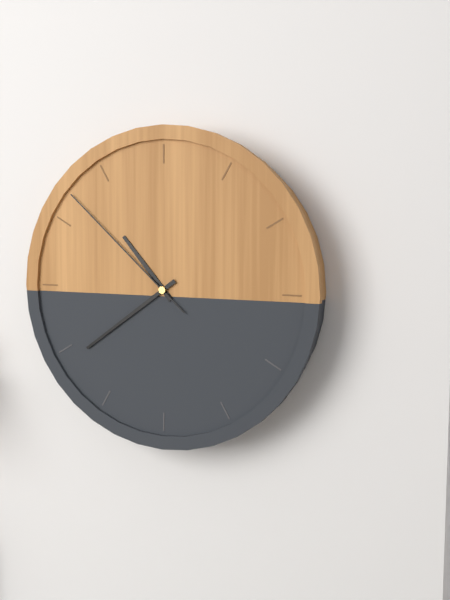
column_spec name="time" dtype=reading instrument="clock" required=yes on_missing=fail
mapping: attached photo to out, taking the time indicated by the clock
10:39:52
